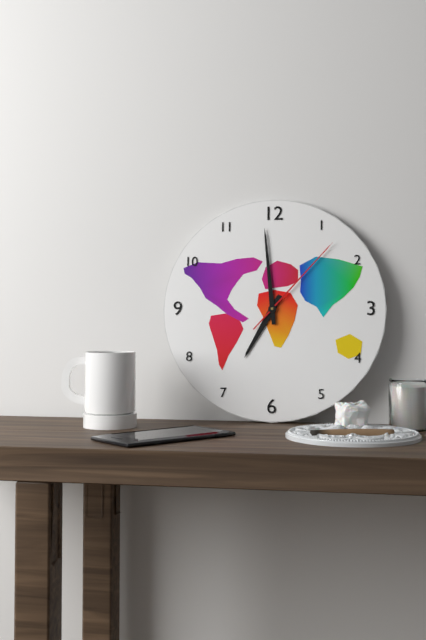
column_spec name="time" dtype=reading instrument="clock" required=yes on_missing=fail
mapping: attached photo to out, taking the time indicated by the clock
6:59:07
